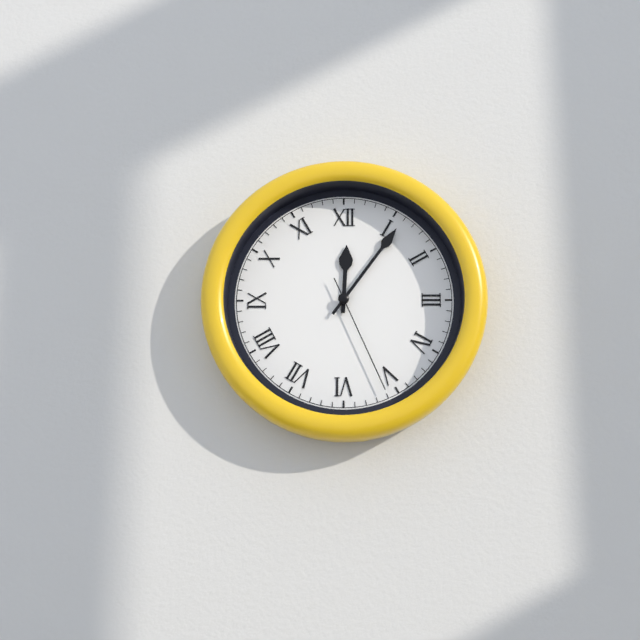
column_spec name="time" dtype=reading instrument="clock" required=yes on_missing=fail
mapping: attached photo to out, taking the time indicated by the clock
12:06:26
